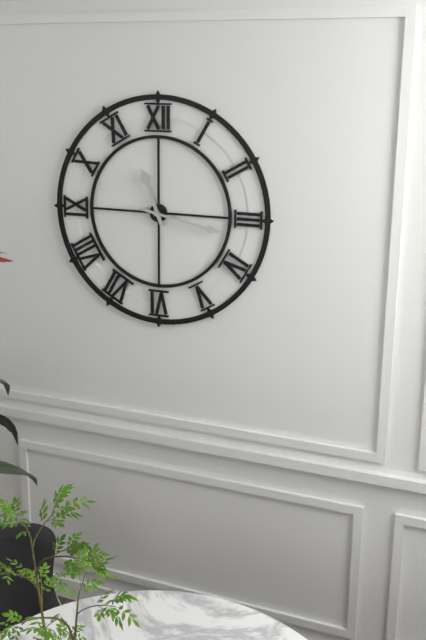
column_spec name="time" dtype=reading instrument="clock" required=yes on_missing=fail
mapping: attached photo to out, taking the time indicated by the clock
11:17
